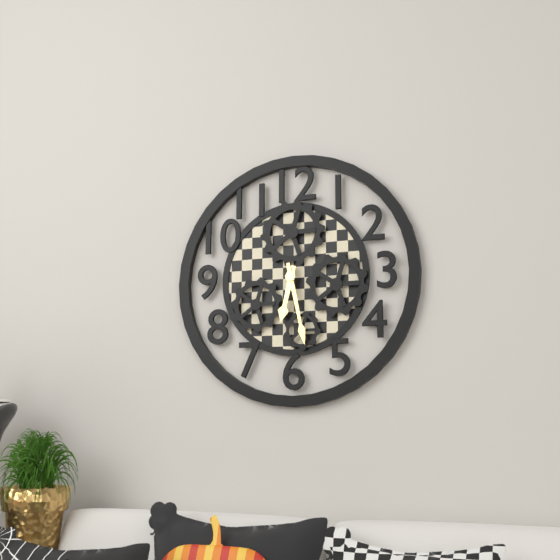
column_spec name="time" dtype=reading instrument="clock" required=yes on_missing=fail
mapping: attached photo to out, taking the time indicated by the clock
6:28
